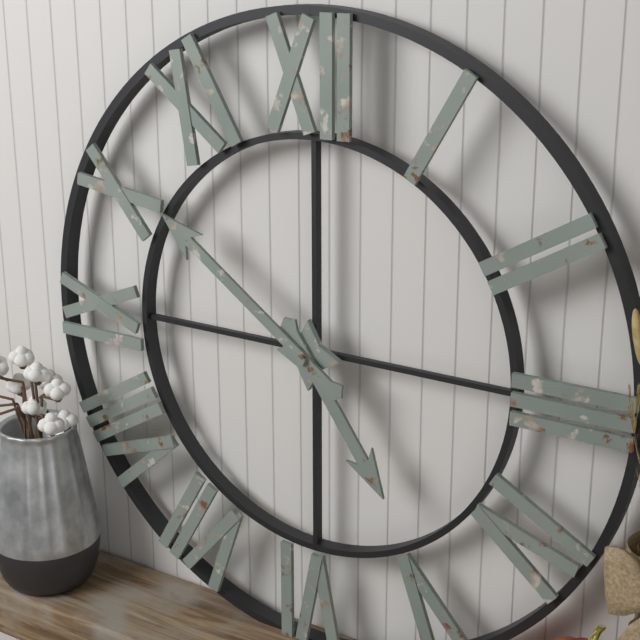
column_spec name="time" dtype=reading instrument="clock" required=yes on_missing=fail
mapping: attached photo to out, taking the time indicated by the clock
4:51
